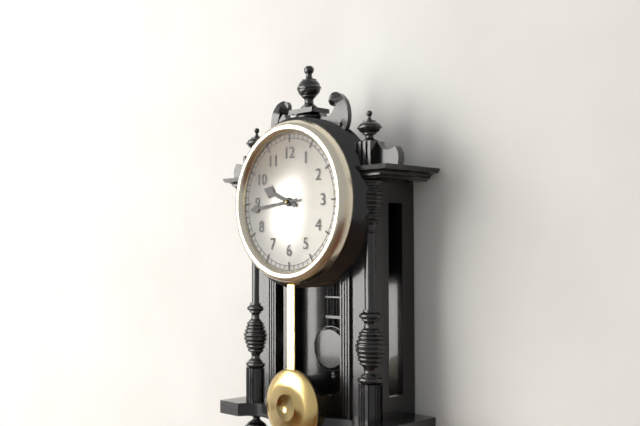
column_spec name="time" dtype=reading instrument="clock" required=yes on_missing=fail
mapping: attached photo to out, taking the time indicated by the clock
9:44
